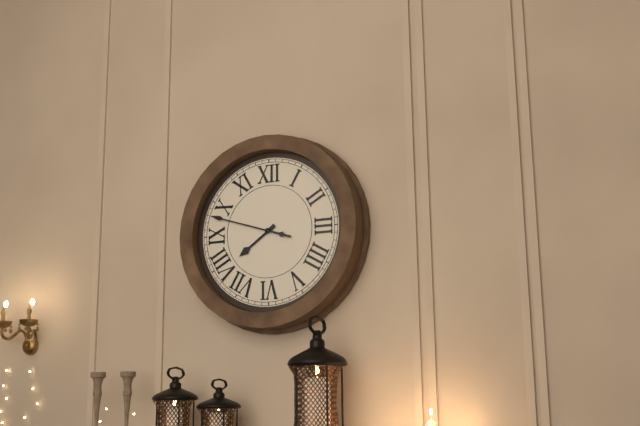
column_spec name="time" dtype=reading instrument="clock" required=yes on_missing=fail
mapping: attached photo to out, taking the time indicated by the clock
7:48
